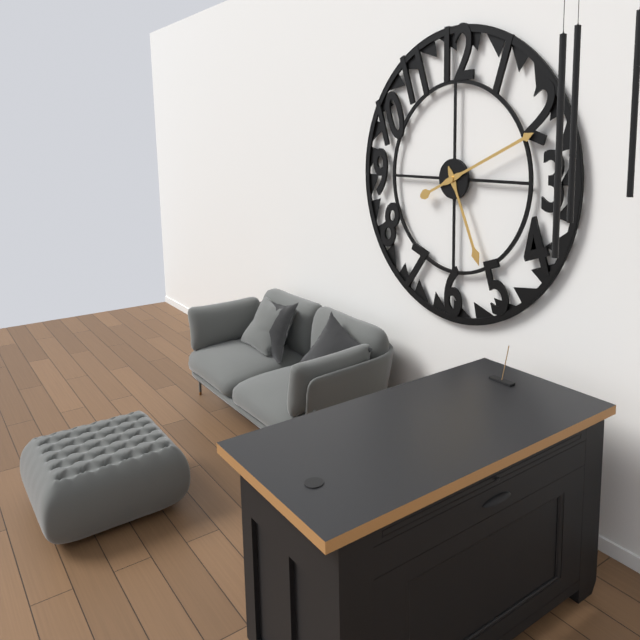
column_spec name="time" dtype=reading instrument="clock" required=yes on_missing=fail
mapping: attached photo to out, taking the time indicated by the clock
5:11
